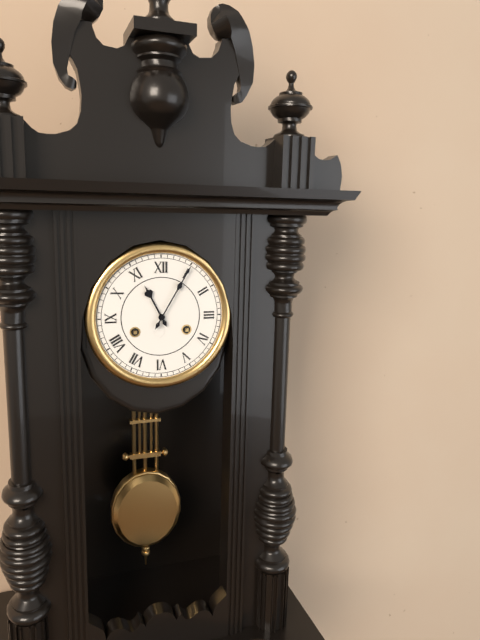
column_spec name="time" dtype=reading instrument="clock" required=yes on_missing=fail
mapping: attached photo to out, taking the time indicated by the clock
11:05
